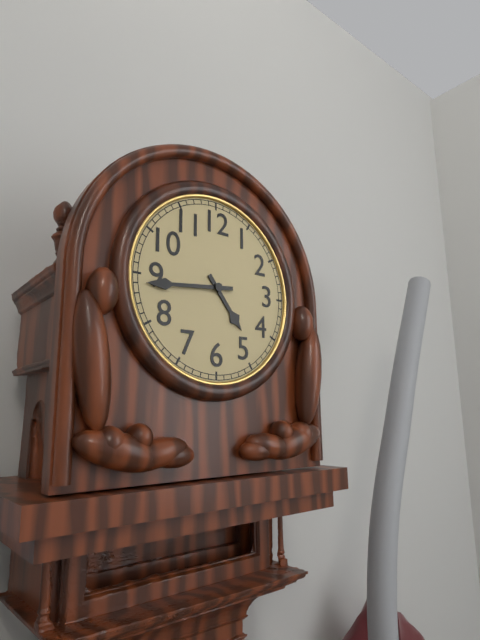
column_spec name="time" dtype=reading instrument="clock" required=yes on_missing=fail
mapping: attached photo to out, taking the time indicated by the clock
4:44
